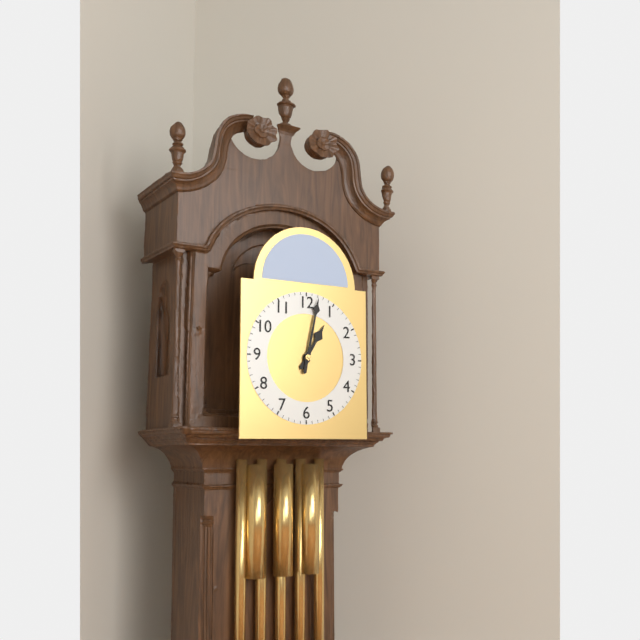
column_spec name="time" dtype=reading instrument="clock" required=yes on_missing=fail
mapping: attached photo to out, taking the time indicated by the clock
1:02
